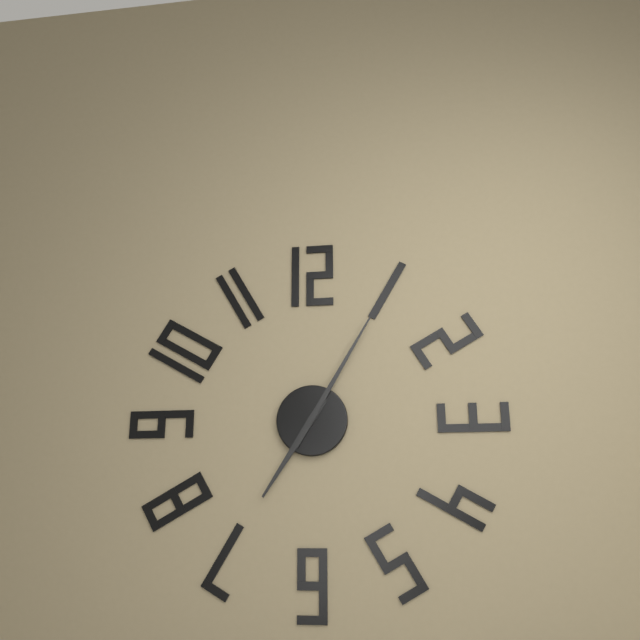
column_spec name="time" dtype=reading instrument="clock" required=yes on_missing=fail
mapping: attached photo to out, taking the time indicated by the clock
7:05
